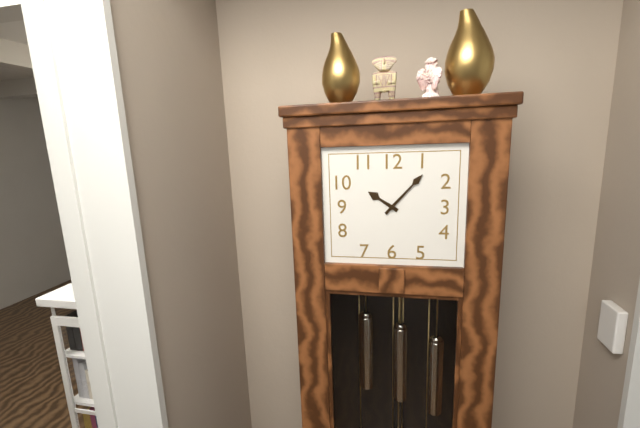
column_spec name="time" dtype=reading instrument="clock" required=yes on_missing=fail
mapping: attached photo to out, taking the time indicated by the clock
10:07
